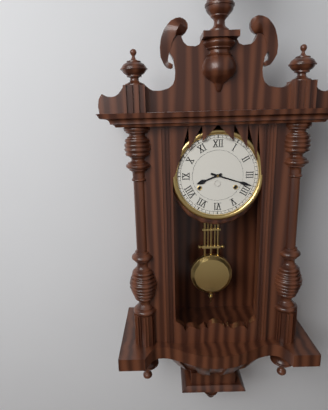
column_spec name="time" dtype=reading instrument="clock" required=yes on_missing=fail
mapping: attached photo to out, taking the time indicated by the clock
8:18
